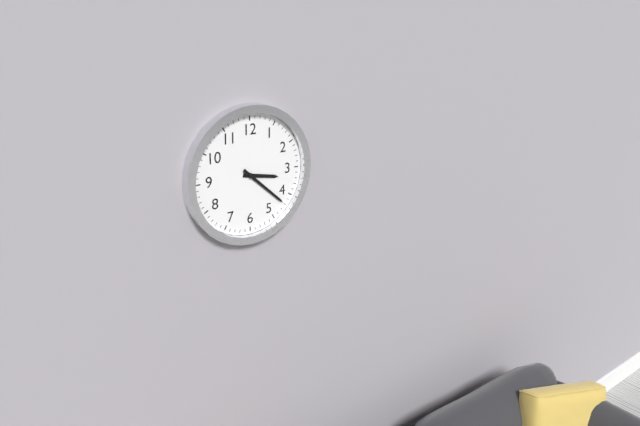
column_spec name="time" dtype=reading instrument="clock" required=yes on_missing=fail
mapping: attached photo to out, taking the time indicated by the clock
3:22
